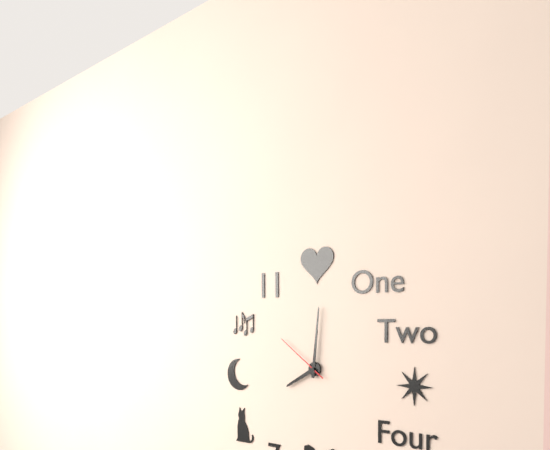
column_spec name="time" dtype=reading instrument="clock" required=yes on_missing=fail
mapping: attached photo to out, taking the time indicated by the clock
8:01:51
